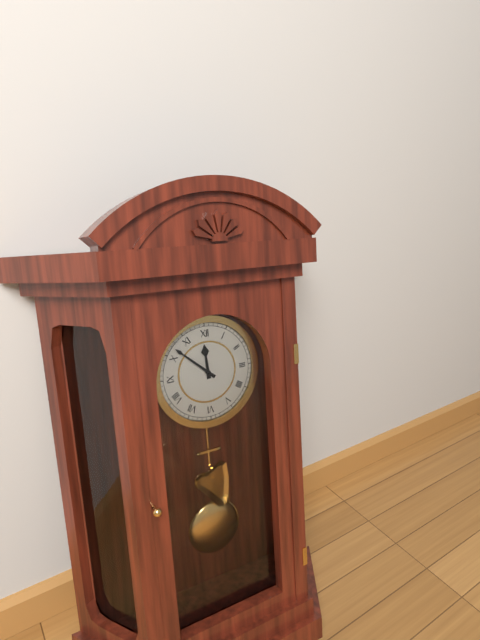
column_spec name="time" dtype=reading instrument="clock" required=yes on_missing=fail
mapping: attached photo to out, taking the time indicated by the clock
11:52
